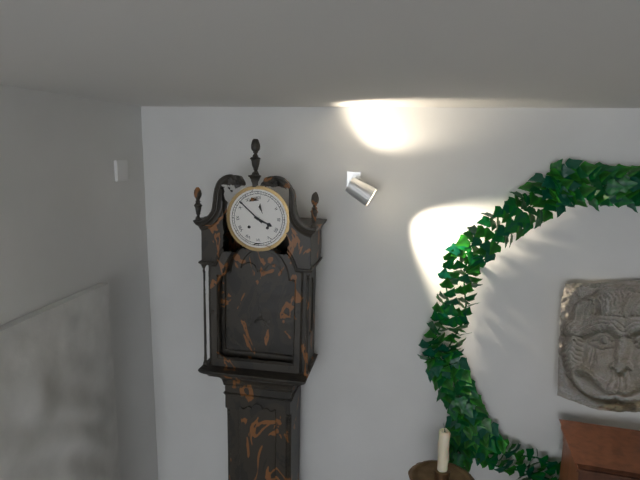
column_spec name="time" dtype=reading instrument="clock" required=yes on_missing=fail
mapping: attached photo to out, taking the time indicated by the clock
3:52
